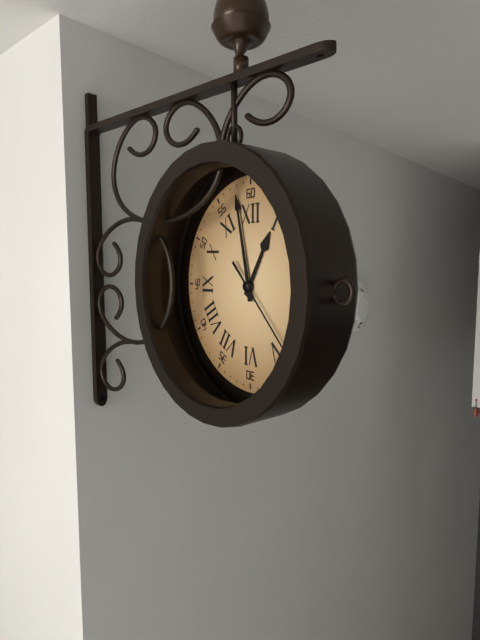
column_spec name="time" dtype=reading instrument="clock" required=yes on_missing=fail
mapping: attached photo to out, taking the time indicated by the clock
12:58:23
